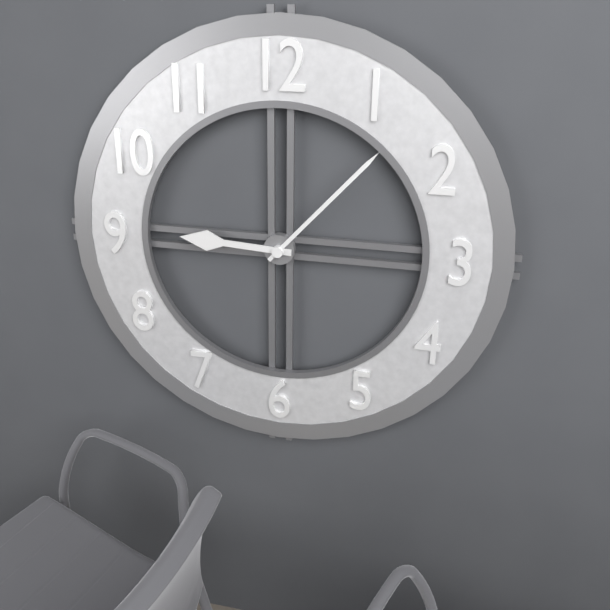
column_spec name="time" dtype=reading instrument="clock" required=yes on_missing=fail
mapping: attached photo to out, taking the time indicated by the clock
9:07
